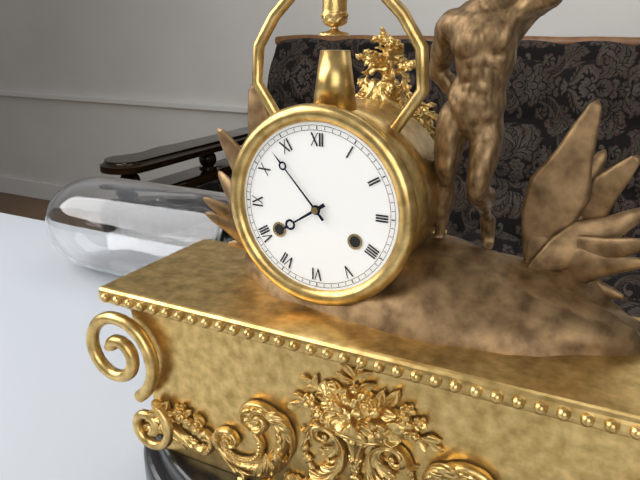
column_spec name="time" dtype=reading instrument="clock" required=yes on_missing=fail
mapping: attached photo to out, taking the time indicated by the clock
7:53
